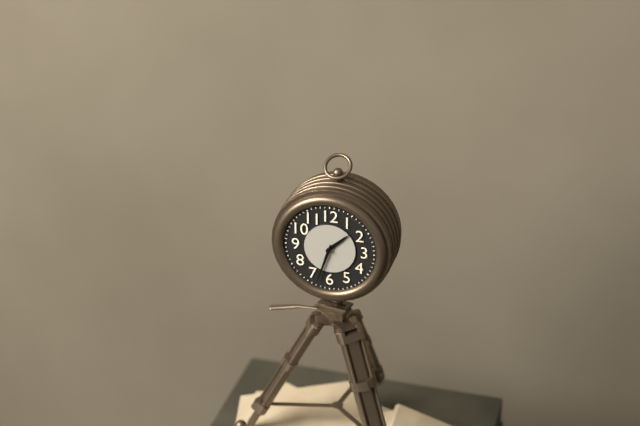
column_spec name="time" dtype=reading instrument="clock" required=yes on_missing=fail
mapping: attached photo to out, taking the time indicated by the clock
1:33
